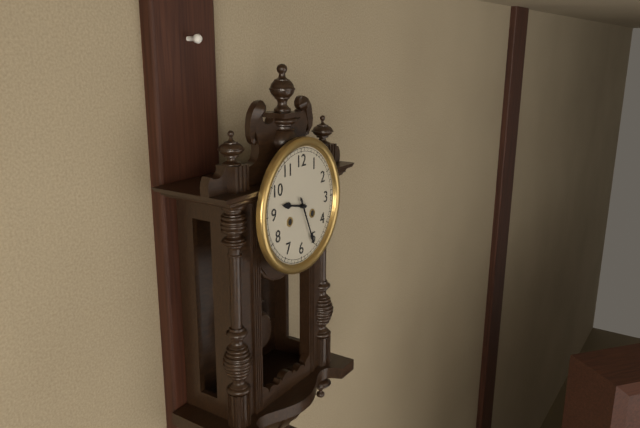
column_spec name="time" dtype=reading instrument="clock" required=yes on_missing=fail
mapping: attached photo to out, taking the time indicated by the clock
9:26
